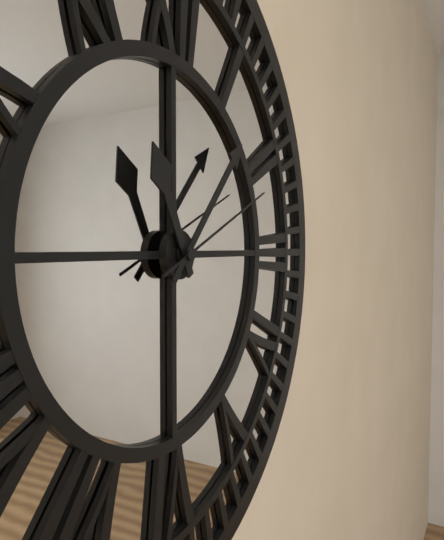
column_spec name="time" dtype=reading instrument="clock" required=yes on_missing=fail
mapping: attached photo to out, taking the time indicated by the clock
11:07:11
